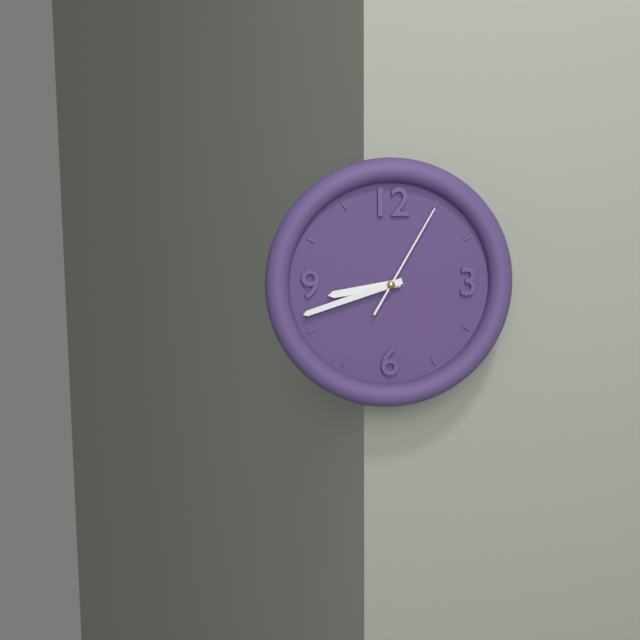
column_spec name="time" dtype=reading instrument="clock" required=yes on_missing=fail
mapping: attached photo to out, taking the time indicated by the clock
8:42:05
